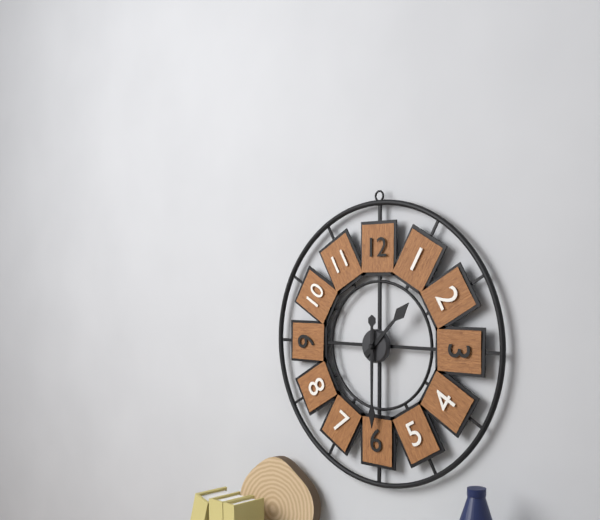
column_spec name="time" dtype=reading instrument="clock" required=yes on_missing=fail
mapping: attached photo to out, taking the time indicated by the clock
1:30
